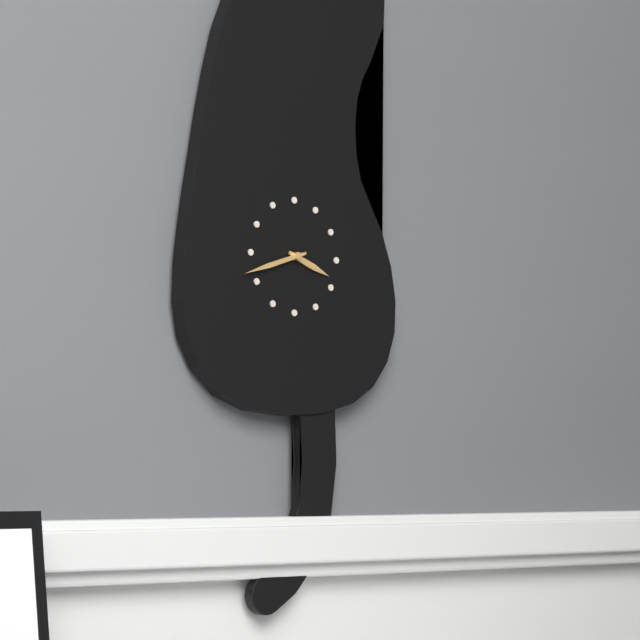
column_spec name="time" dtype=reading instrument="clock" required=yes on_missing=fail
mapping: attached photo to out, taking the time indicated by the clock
3:42
